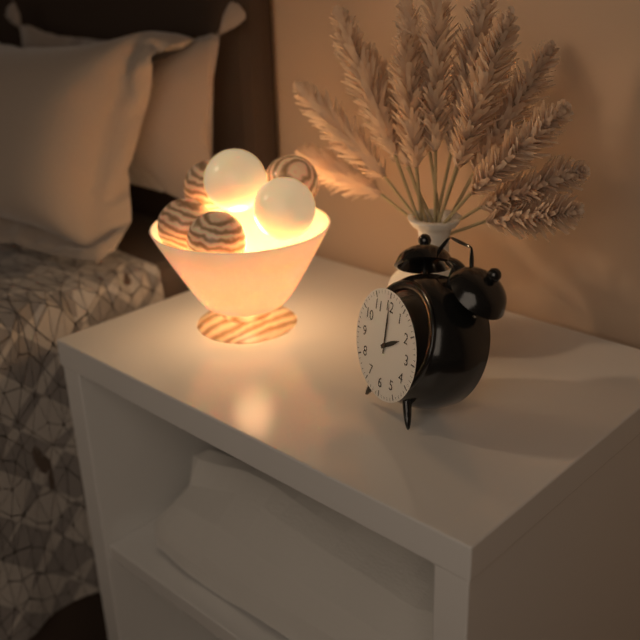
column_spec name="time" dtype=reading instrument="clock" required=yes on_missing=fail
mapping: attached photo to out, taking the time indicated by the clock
2:00
